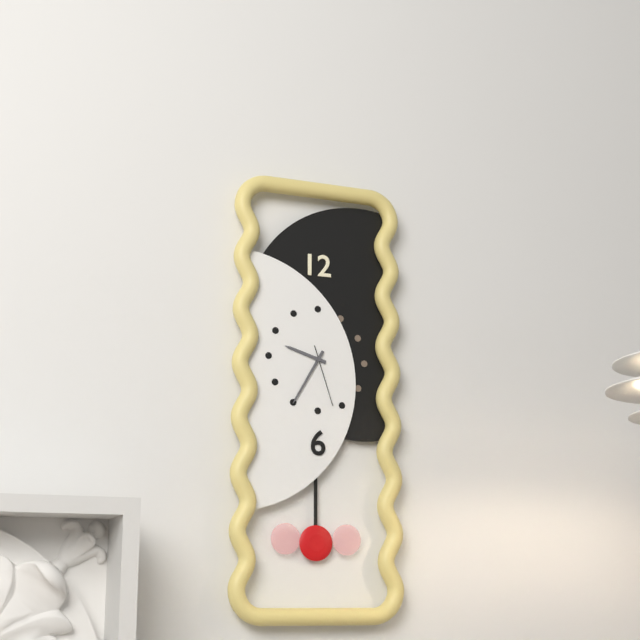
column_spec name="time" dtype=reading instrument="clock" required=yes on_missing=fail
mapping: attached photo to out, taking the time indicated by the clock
9:35:27
